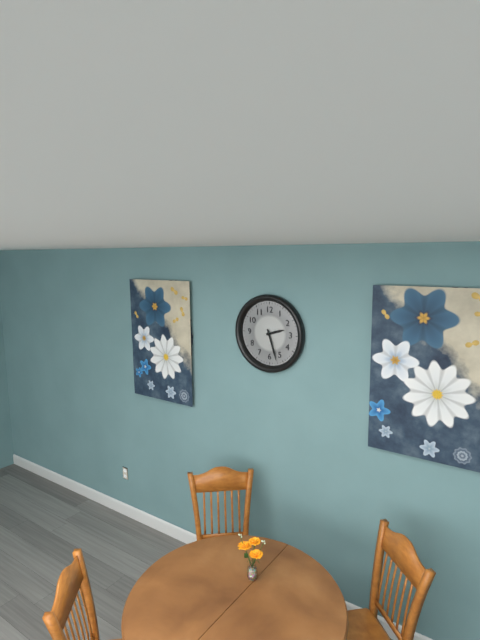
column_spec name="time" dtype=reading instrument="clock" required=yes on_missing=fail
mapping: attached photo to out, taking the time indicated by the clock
2:27
